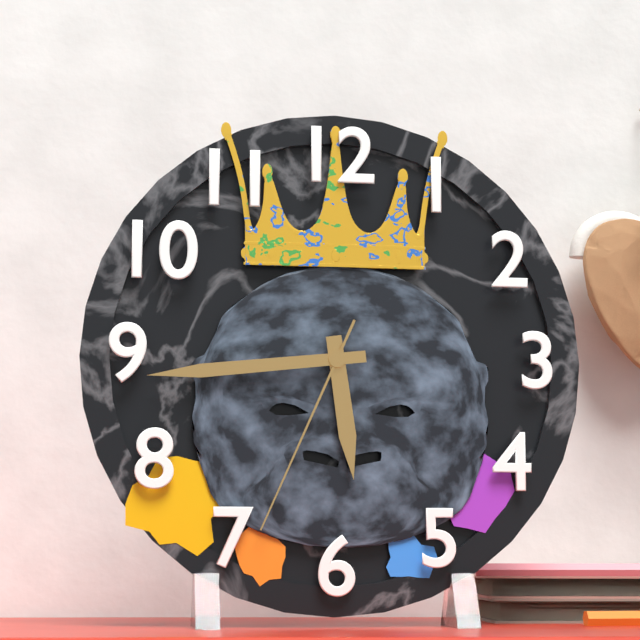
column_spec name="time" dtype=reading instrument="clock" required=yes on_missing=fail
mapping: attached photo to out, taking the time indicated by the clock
5:44:34
